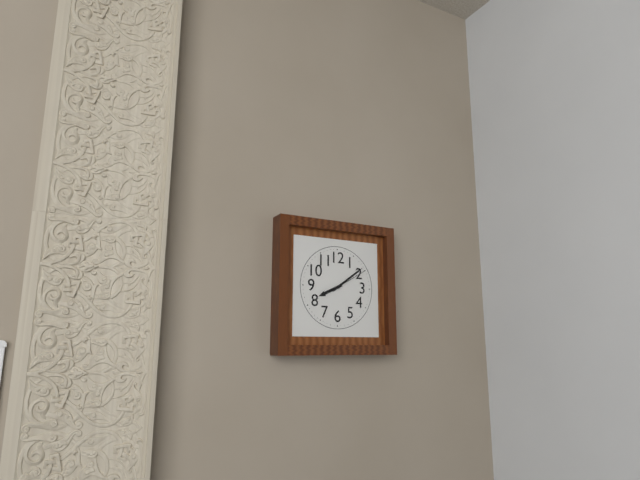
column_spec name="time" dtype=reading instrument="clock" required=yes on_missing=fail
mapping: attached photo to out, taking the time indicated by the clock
8:09
